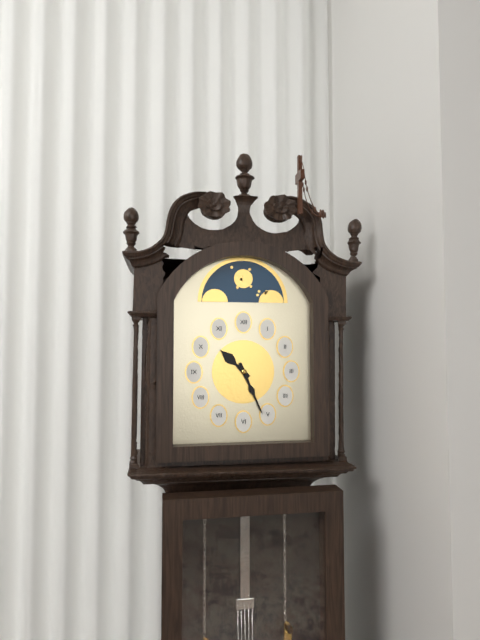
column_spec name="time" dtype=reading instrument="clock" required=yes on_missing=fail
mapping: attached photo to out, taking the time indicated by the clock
10:26
